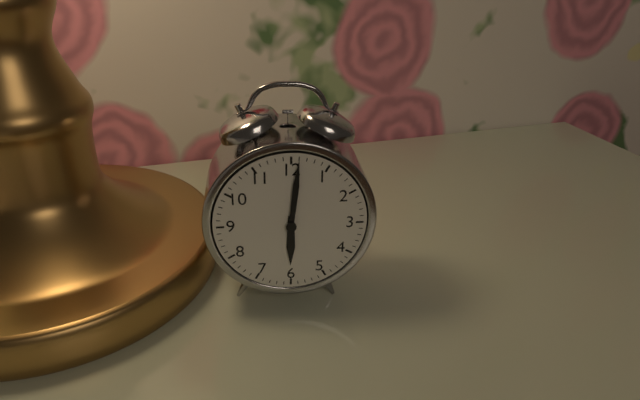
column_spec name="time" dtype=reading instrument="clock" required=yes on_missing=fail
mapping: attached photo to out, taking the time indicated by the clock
6:01
